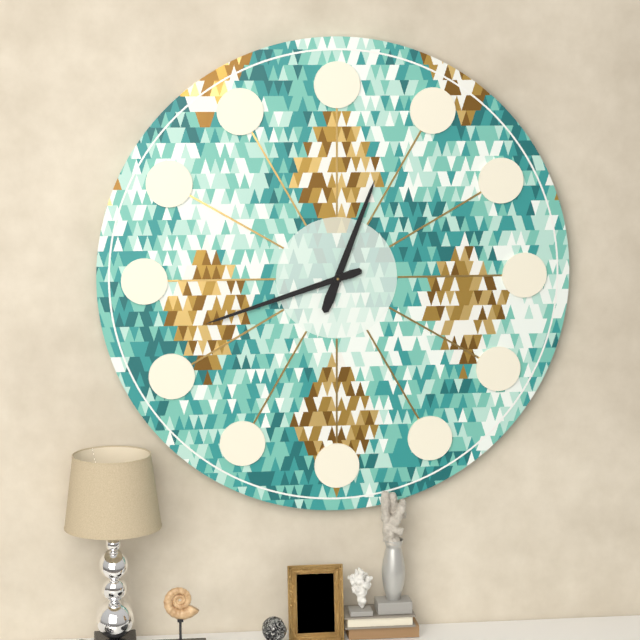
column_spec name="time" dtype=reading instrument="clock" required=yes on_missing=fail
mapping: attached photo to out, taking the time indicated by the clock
12:42
